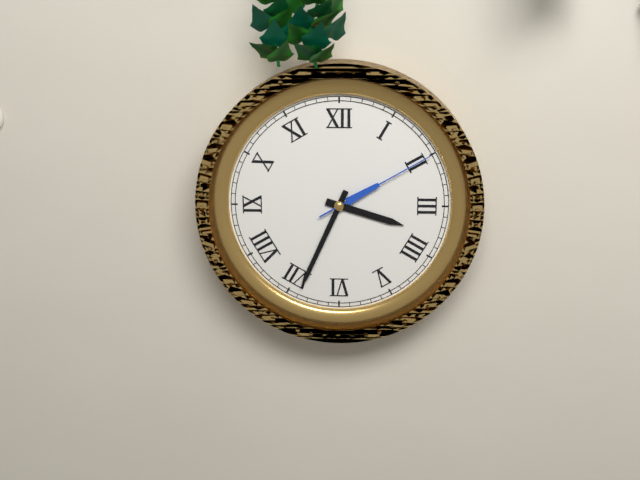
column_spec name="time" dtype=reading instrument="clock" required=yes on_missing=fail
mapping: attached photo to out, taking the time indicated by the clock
3:34:10
